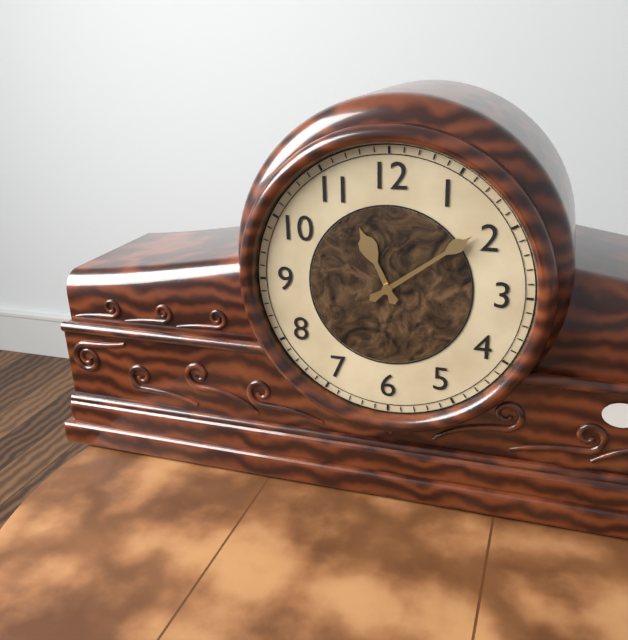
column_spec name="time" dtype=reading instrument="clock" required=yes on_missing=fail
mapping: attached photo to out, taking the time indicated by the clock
11:09
